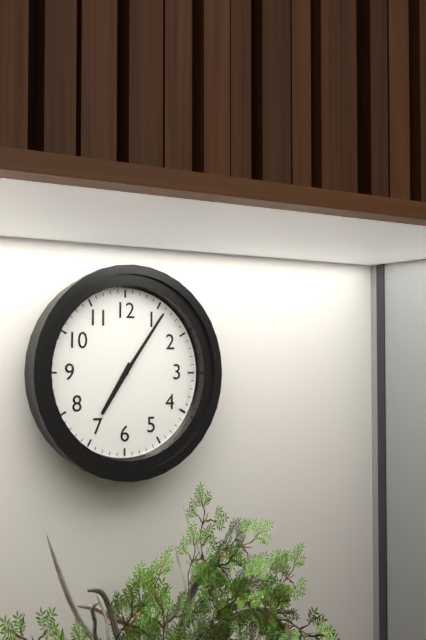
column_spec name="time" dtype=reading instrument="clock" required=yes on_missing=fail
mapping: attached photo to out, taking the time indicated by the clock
7:06
